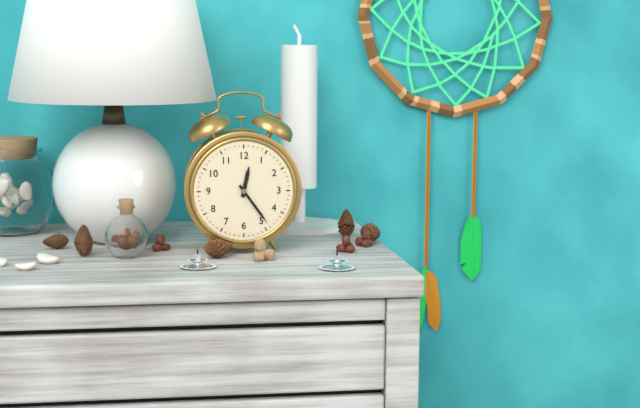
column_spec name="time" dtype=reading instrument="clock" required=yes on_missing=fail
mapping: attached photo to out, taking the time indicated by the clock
12:24
